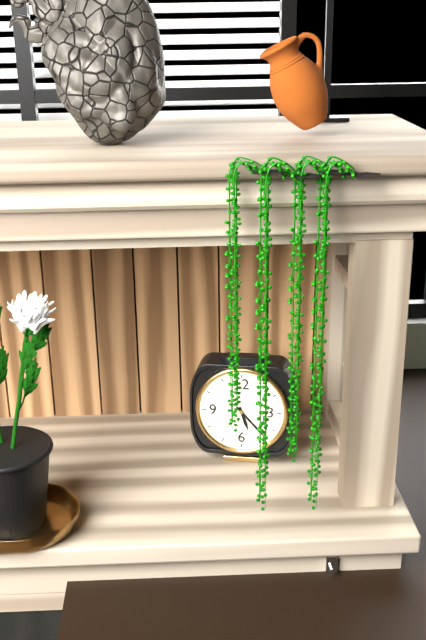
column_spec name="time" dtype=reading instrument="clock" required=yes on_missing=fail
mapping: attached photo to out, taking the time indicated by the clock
5:23
